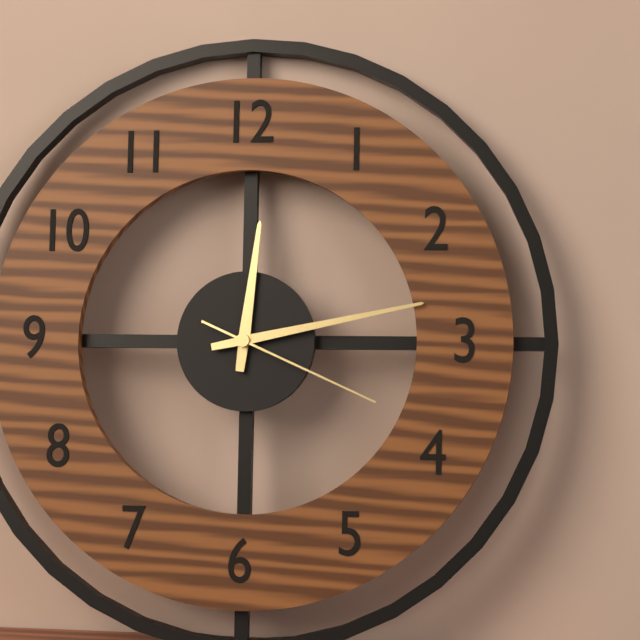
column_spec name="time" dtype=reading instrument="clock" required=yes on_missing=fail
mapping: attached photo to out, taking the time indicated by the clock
12:13:19
